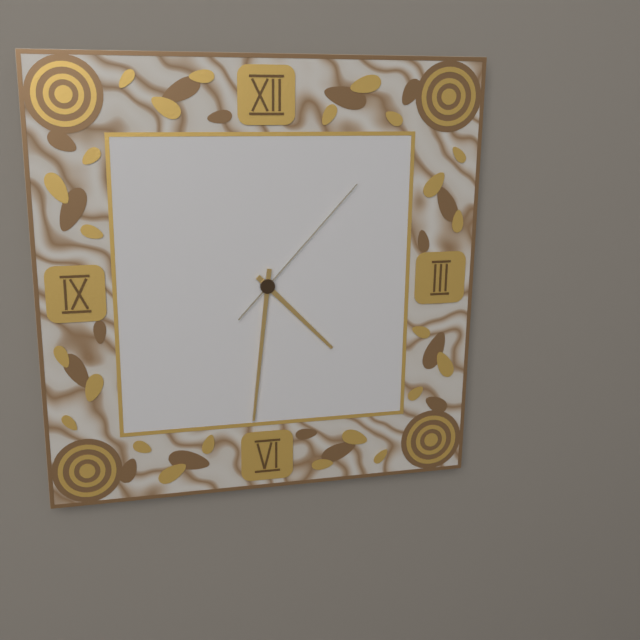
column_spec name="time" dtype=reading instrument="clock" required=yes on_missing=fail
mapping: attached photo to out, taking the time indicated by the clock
4:31:07
